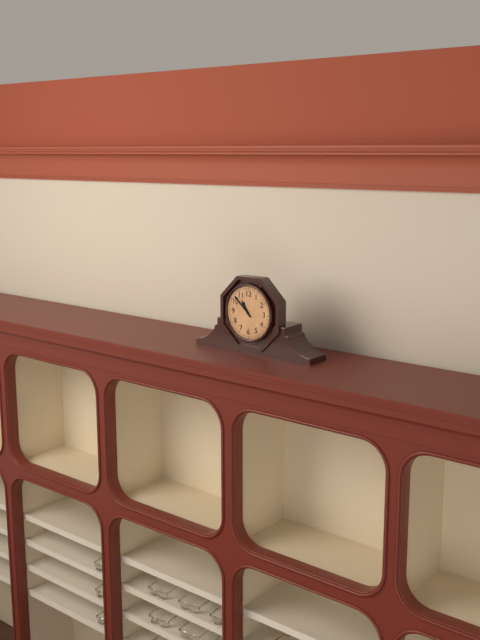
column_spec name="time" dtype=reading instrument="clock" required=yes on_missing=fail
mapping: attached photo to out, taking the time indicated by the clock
10:52
